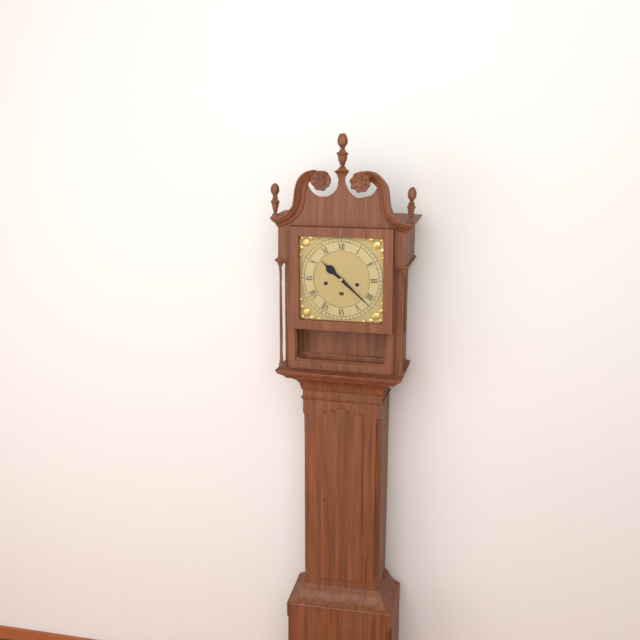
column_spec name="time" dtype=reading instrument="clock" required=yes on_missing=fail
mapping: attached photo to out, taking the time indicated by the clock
10:22
